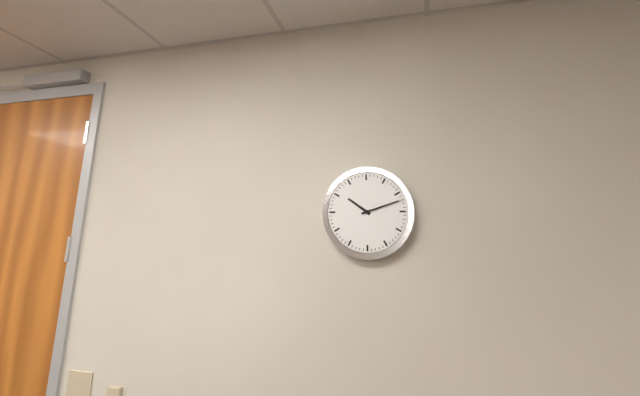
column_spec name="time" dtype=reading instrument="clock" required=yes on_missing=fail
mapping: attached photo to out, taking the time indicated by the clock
10:12
